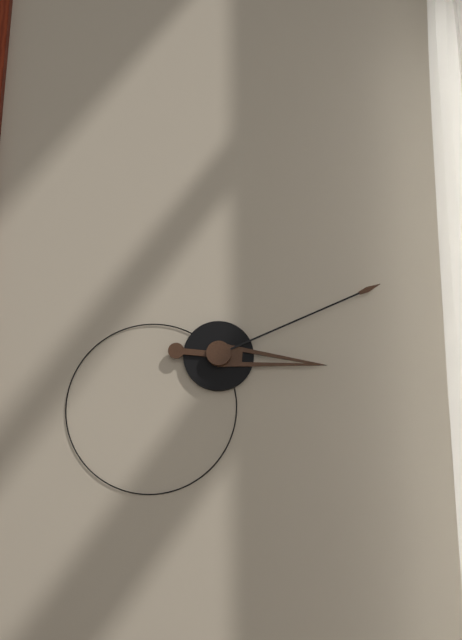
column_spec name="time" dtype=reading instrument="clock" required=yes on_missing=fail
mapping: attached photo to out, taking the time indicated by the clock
3:11
